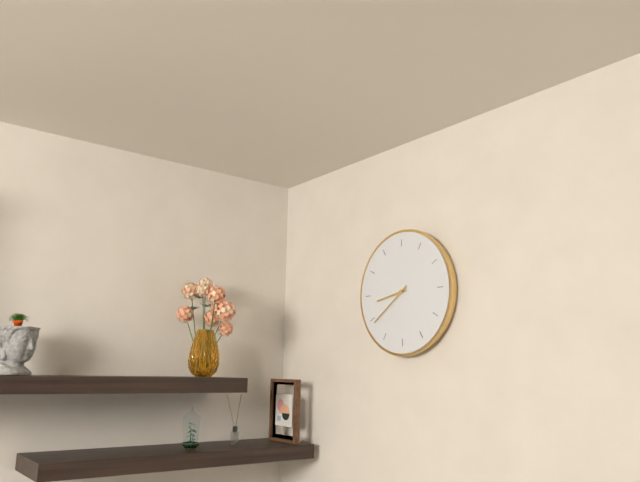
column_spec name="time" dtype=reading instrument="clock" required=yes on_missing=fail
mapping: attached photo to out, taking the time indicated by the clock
8:39
